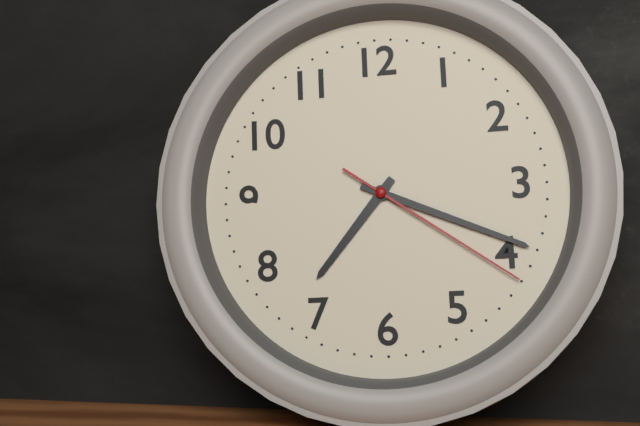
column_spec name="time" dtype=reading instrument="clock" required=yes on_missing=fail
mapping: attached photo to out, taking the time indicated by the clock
7:19:21
